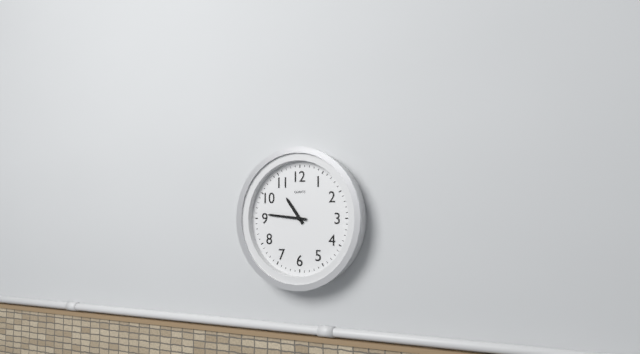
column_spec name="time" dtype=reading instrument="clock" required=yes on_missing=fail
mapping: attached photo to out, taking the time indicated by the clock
10:46
